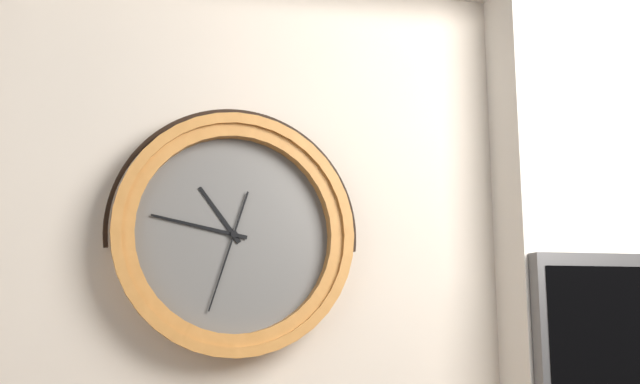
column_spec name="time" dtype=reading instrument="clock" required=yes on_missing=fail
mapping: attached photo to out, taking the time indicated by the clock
10:47:33
